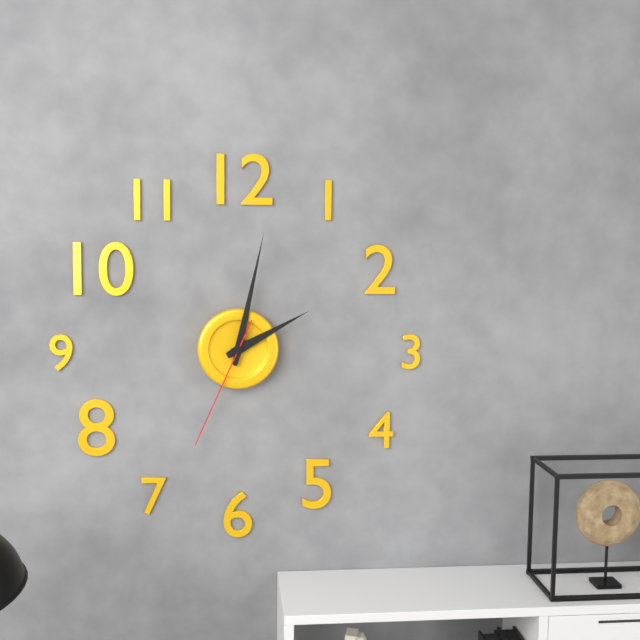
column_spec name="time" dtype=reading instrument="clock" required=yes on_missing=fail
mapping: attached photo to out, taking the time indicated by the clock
2:02:34
